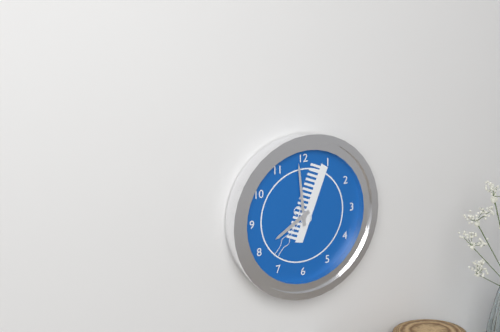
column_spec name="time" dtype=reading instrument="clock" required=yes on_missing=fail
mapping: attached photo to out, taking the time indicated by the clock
7:59
